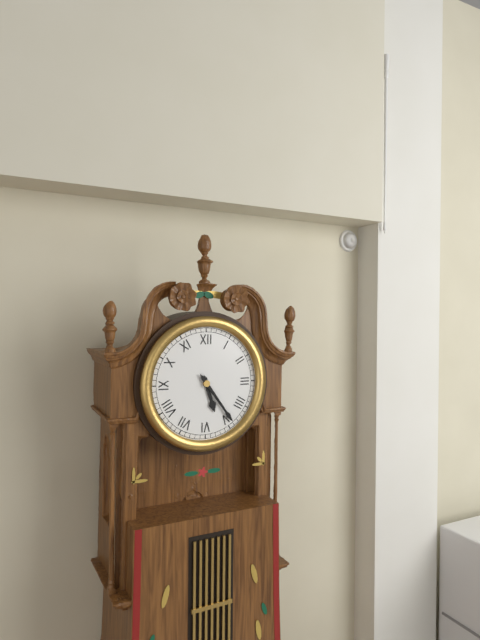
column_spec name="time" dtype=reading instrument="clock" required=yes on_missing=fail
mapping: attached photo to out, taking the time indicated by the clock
5:24
